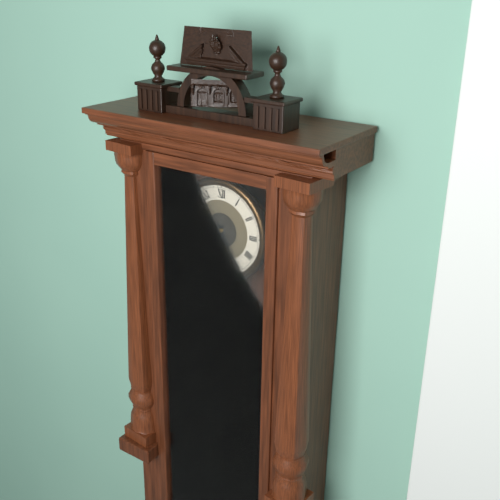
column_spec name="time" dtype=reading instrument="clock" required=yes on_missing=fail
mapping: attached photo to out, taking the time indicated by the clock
6:25
